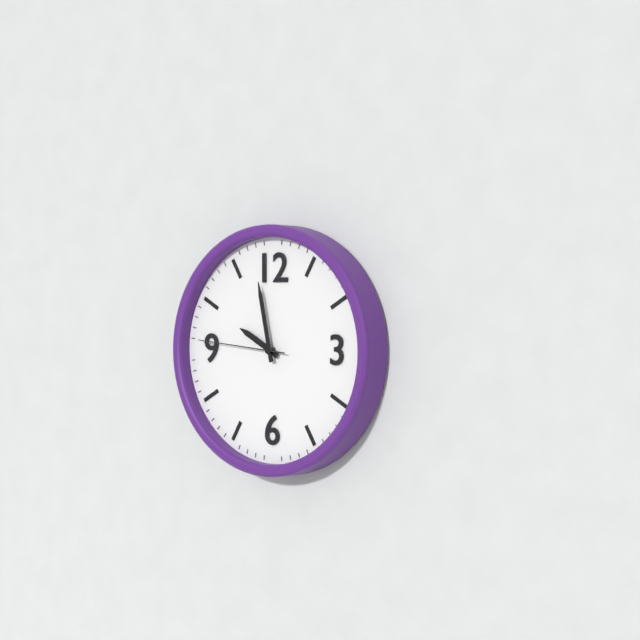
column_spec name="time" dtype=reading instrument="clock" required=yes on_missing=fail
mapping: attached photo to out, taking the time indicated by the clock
9:58:46
